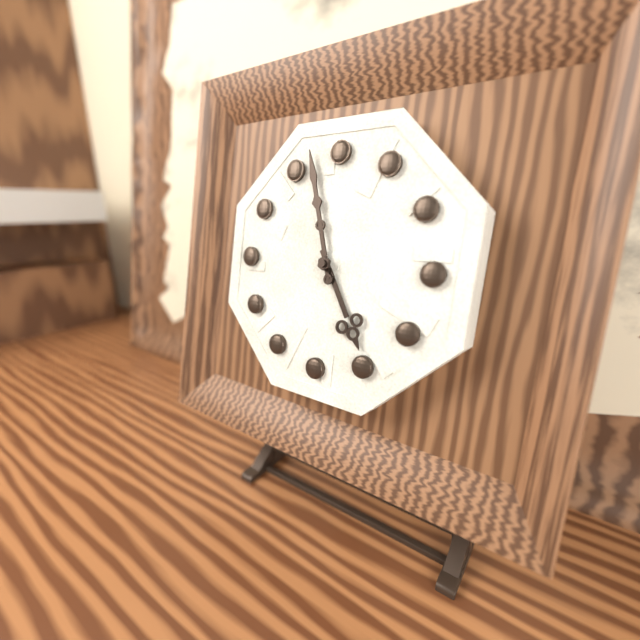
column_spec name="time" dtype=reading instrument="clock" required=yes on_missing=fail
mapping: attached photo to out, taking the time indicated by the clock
4:57
